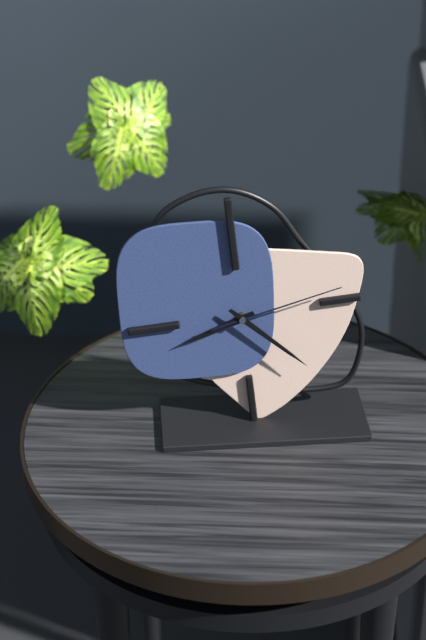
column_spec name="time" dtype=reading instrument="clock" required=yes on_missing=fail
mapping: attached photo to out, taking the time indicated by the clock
8:23:13
